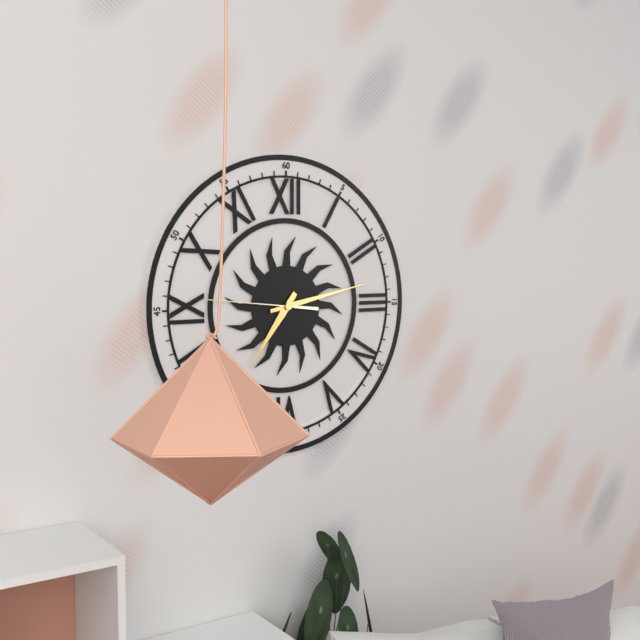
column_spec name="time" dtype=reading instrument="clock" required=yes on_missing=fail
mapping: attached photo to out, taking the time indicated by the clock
7:13:46
